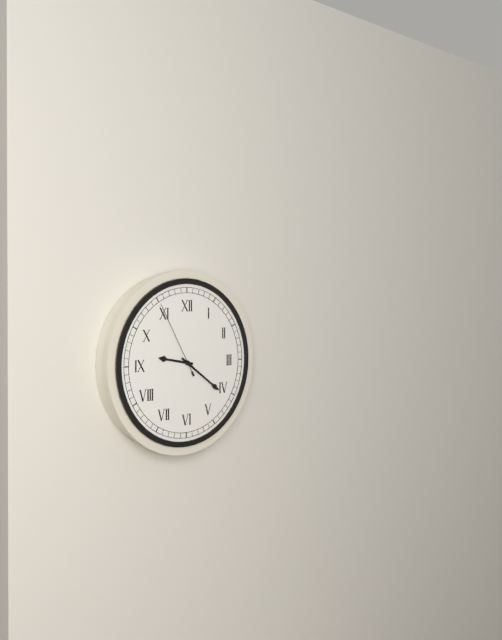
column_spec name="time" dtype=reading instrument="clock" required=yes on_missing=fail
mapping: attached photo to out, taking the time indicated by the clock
9:21:55
